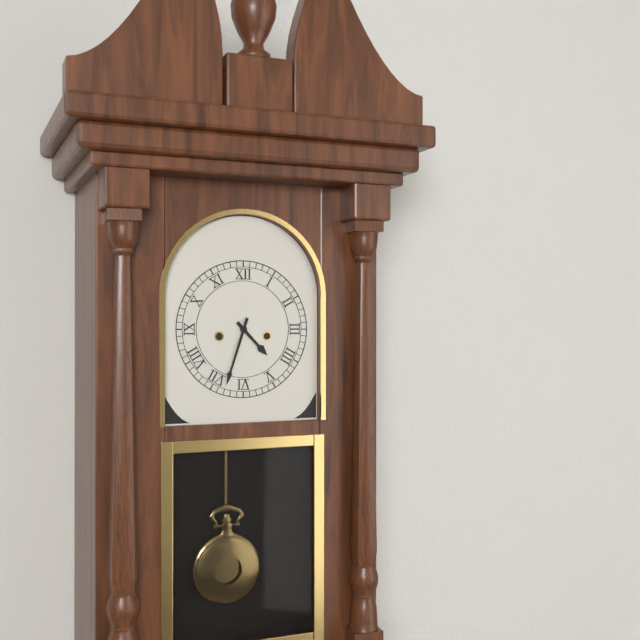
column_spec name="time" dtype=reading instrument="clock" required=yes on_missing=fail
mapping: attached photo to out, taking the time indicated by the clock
4:33
